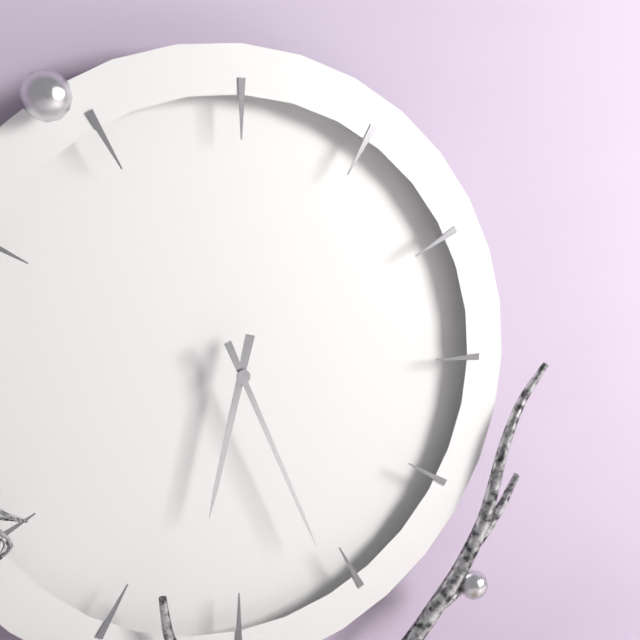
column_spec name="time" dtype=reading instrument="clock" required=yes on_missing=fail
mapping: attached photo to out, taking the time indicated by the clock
6:26
